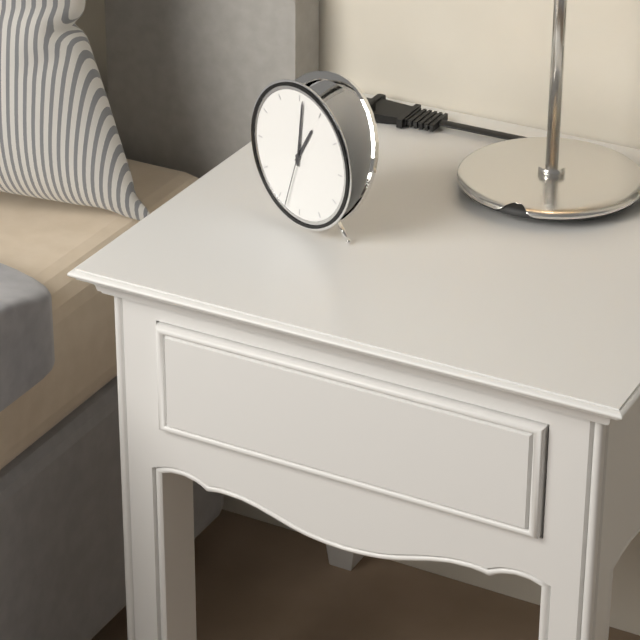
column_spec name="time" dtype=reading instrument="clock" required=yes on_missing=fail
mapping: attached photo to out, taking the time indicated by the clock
1:01:33
